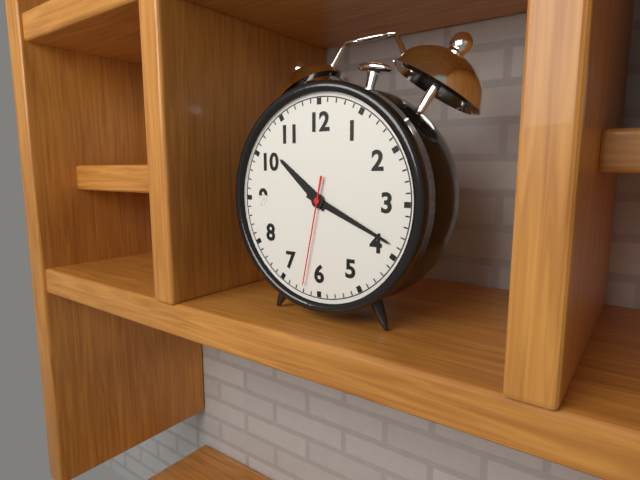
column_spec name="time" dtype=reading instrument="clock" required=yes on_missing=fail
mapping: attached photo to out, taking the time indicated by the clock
10:19:32
